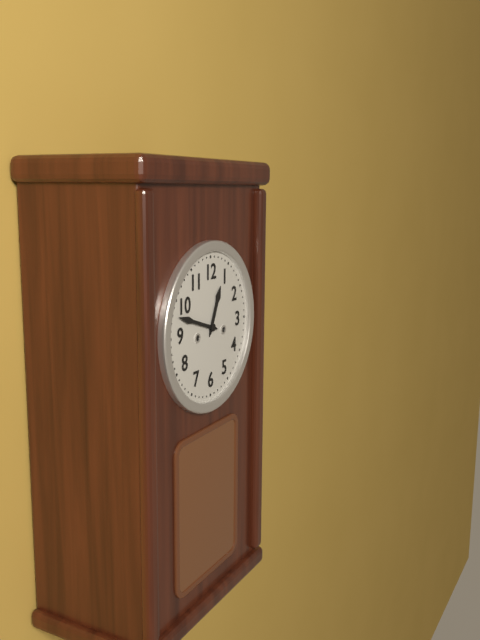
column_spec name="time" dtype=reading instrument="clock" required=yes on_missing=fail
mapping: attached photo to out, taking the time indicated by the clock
12:48
